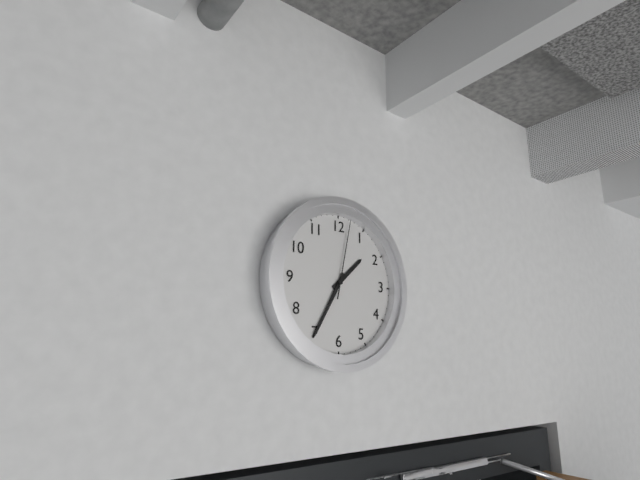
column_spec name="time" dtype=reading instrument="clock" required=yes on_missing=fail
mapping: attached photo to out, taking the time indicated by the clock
1:35:02
